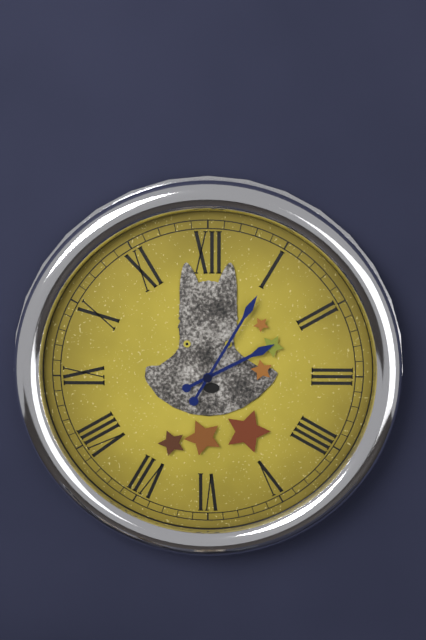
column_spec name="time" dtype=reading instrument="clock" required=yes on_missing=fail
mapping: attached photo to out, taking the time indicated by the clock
2:05
